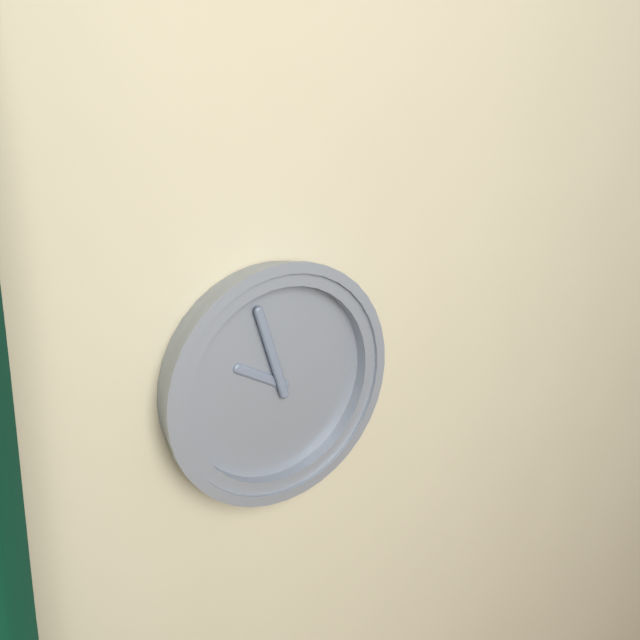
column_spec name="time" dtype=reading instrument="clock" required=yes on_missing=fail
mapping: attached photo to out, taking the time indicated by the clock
9:57
